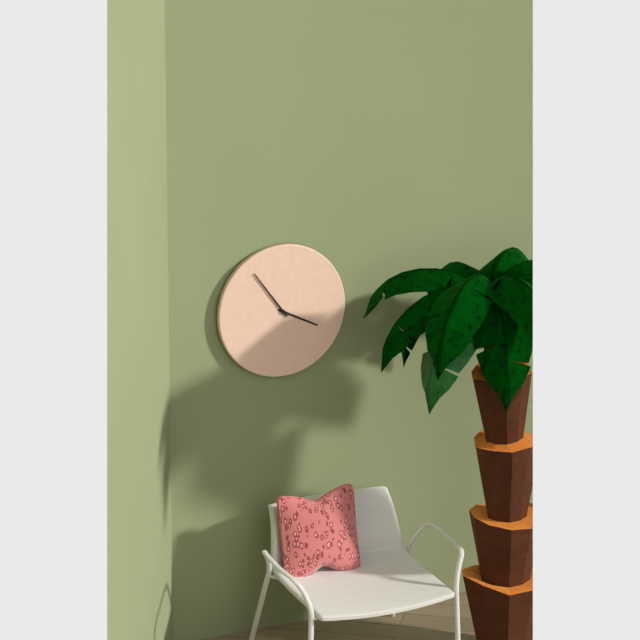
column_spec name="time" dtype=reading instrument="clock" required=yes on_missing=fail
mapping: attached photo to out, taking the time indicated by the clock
3:54
